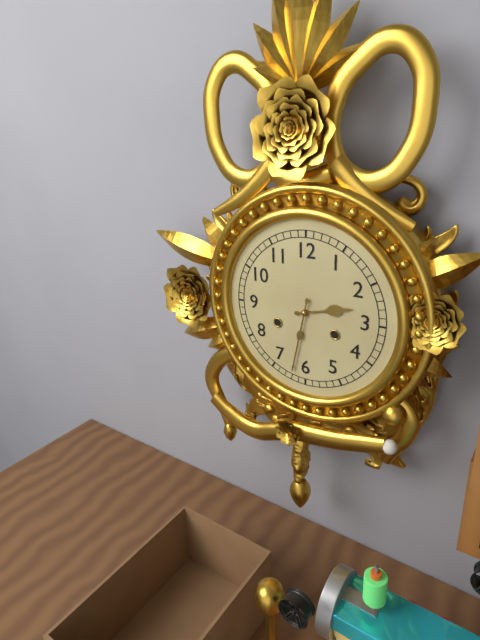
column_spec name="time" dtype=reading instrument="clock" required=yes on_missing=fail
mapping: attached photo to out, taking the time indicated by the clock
2:32
